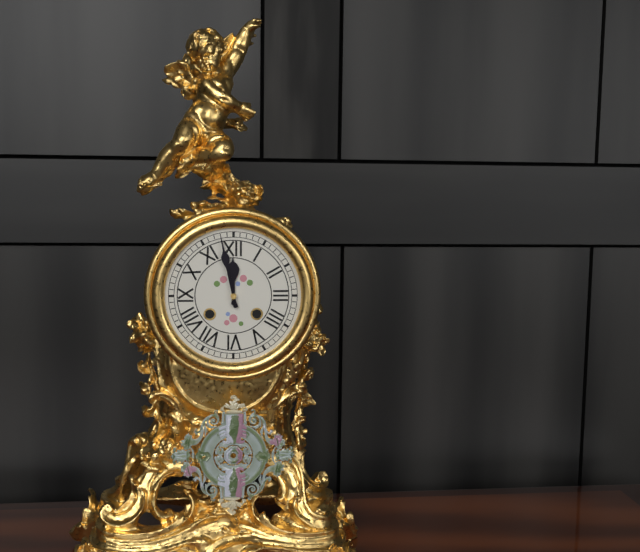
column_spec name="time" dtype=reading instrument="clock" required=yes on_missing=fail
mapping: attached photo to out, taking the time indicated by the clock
11:58
